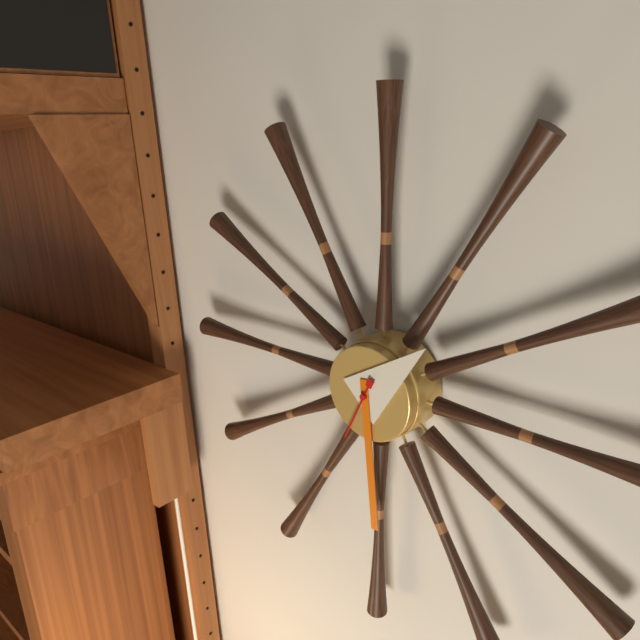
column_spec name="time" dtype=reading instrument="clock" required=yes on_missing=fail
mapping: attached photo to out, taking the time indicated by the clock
1:29:34
